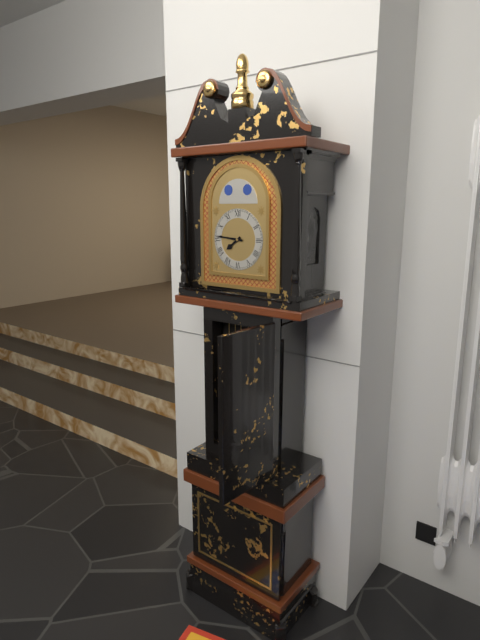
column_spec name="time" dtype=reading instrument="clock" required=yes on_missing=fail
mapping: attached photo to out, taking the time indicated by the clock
7:46
